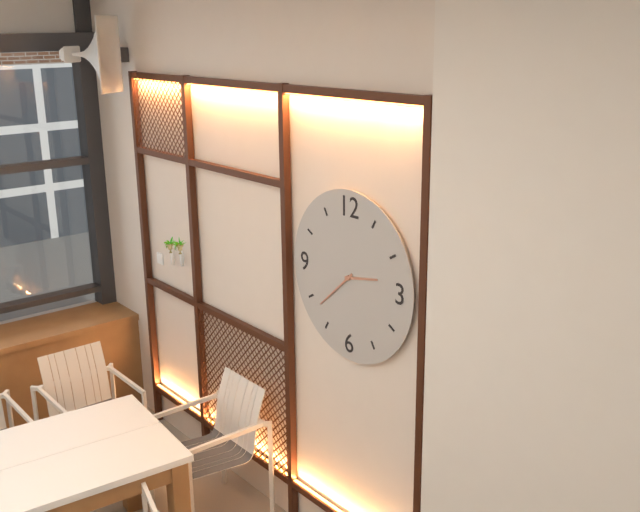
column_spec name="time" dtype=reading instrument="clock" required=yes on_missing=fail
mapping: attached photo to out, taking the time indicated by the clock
2:38
